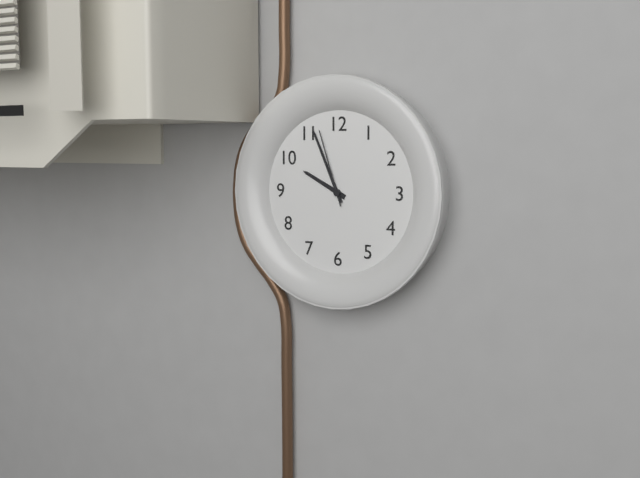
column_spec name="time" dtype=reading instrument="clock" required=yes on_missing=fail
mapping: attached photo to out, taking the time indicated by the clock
9:56:57
